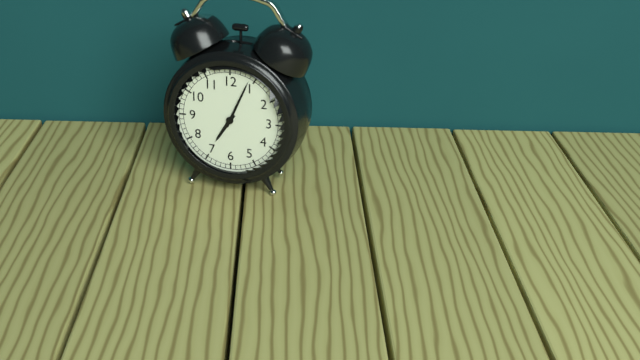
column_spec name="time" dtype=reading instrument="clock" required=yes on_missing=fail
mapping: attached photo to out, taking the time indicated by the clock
7:04
